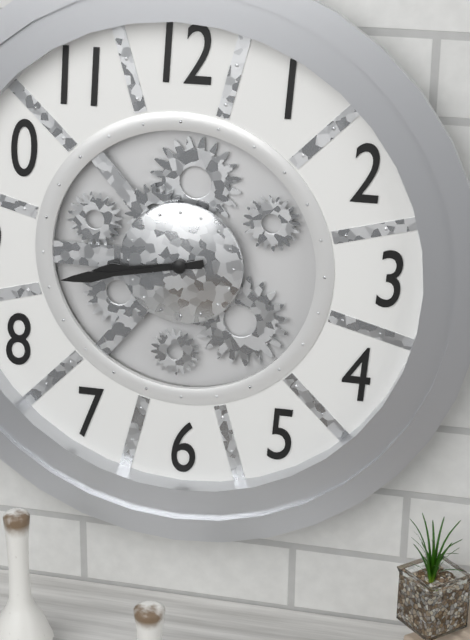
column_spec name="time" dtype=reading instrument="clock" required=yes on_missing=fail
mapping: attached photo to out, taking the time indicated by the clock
8:43
